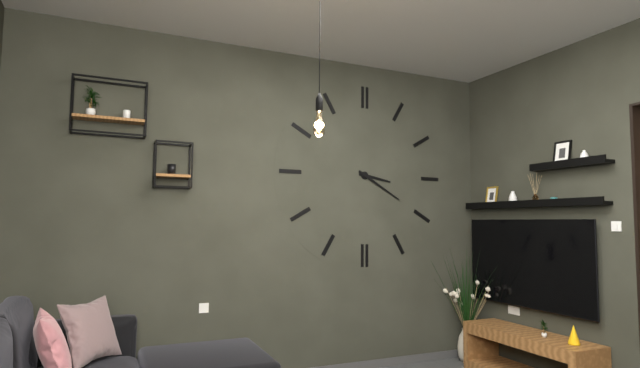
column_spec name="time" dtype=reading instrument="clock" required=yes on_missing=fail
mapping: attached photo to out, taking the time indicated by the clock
3:20
